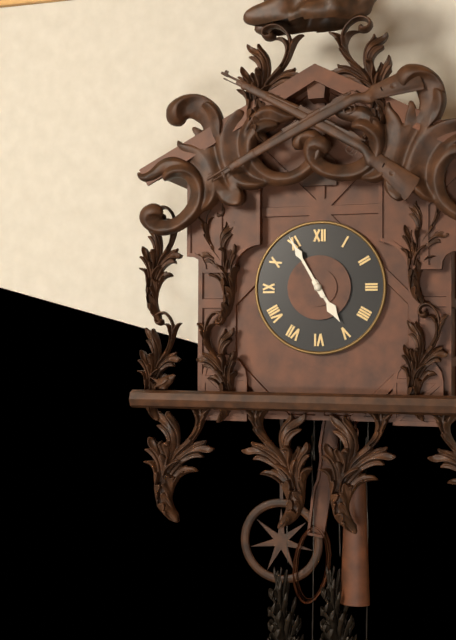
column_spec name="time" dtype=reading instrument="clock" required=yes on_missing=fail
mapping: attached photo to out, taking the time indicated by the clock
4:55
